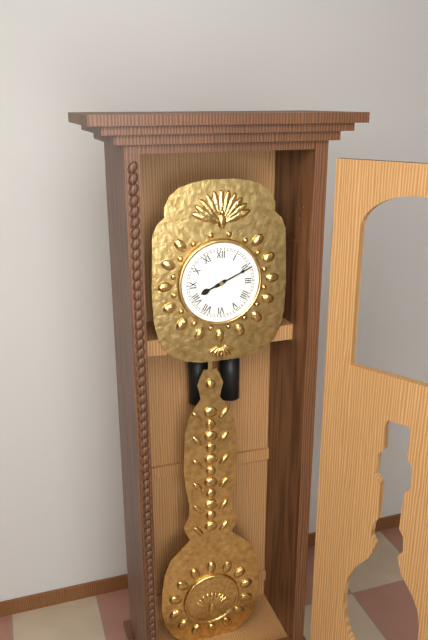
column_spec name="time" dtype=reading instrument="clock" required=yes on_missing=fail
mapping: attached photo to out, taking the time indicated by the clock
8:11
